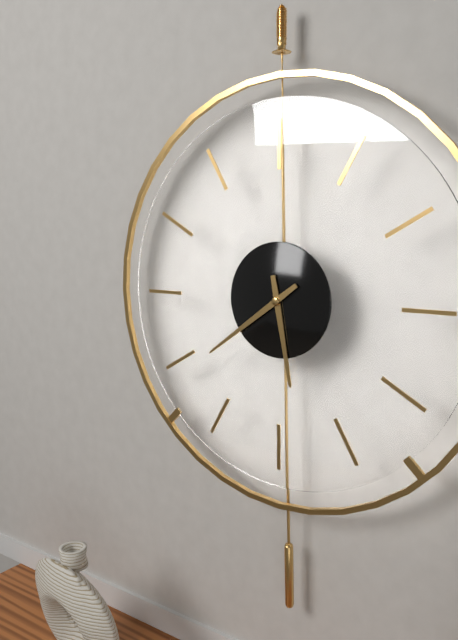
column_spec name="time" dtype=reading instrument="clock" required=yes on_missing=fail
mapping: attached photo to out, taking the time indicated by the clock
5:39
